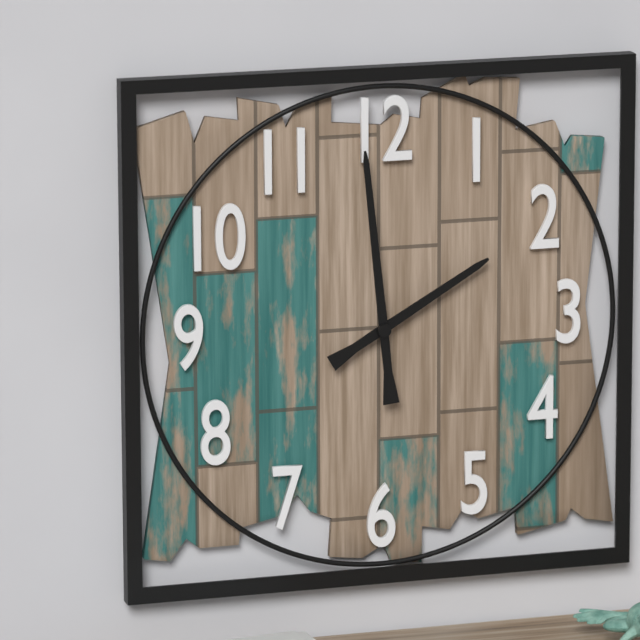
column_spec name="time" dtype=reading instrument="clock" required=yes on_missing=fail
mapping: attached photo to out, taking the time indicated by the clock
1:59
